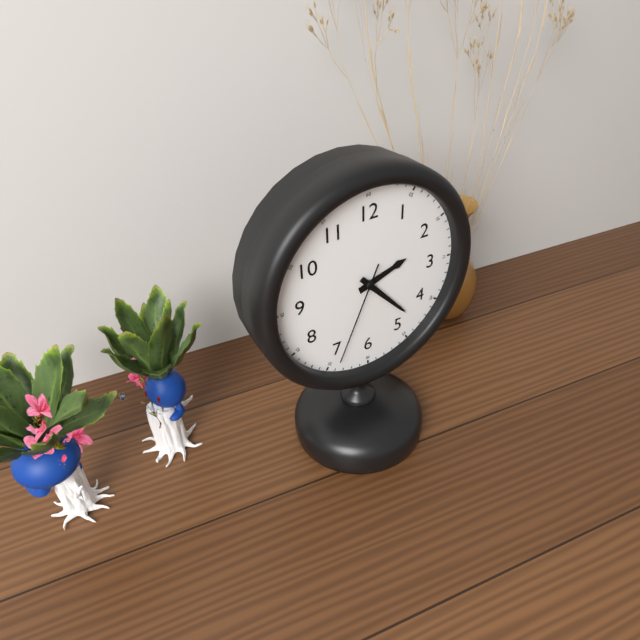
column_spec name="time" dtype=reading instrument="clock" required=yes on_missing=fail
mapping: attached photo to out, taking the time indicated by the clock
2:23:34
